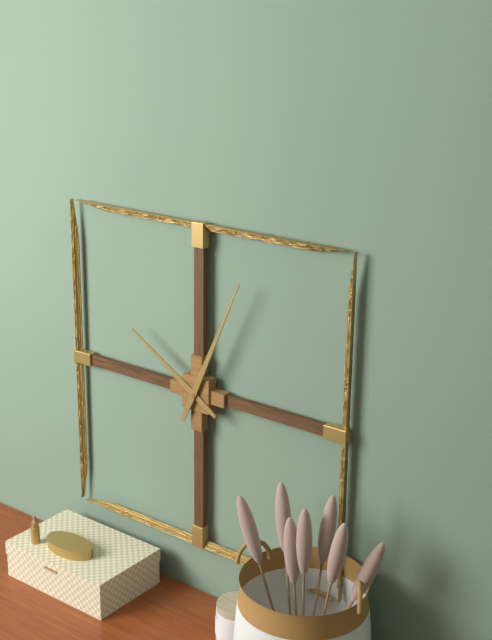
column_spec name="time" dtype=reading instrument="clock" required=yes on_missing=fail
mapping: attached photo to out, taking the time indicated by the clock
10:04
